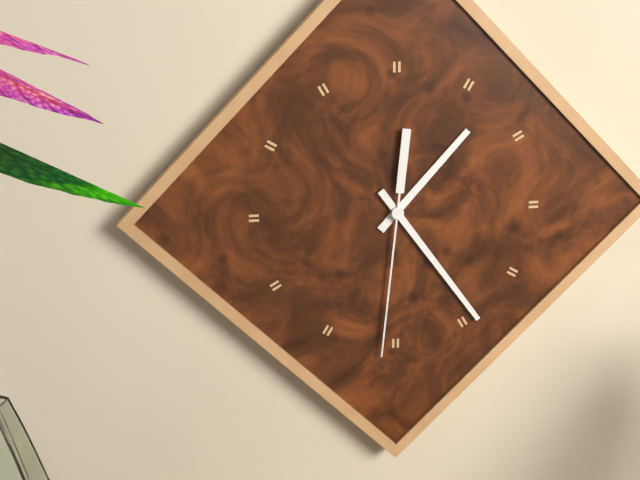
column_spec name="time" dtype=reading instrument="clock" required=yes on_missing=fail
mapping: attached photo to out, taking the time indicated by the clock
1:24:31
